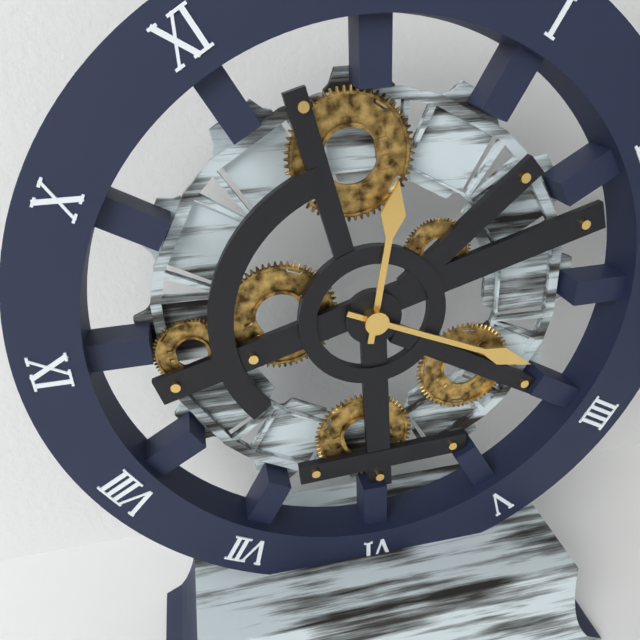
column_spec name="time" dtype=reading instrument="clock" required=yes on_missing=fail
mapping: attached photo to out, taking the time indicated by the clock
12:19
